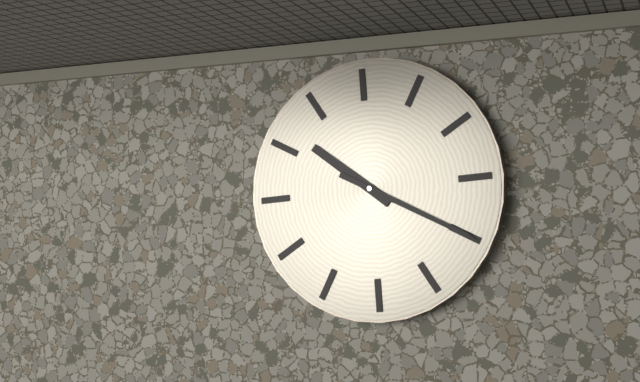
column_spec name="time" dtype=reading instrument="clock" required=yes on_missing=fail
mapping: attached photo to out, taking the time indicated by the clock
10:20
